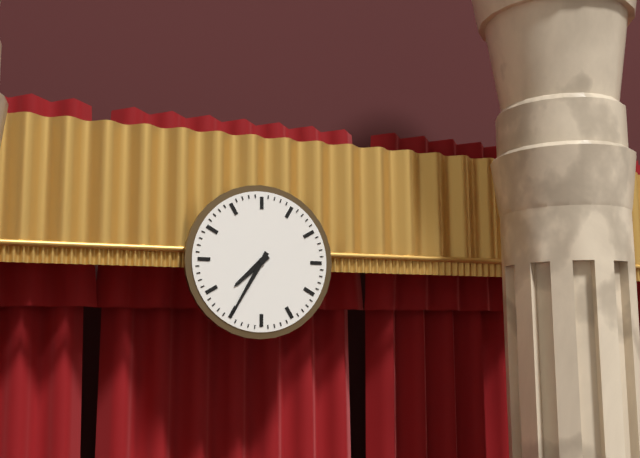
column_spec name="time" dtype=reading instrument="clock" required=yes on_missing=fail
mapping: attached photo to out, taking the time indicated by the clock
7:35
